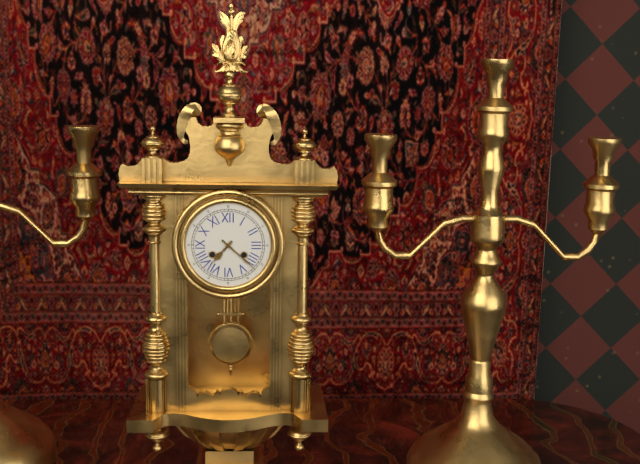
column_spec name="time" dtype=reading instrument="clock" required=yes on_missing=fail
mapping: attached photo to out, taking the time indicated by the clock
7:22
